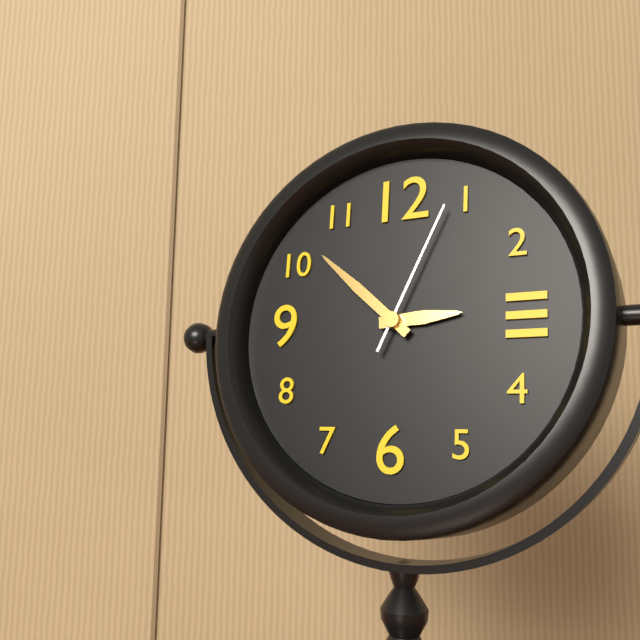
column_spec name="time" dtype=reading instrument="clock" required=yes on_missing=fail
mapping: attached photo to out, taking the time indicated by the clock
2:52:04
